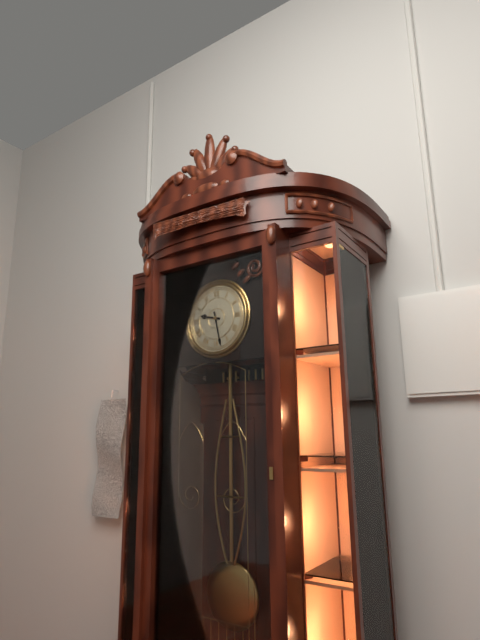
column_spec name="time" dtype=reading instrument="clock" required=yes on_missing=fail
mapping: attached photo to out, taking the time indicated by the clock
9:28
